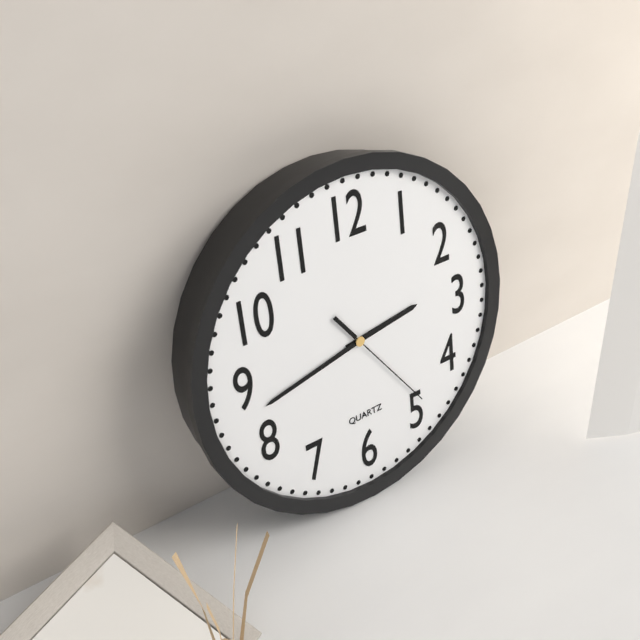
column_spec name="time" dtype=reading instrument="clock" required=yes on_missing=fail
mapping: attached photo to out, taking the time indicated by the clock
2:43:24
